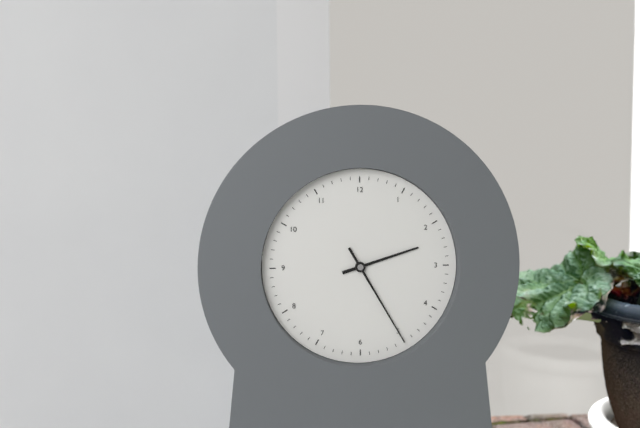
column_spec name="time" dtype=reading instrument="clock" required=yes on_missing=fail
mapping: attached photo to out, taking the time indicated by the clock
2:25
